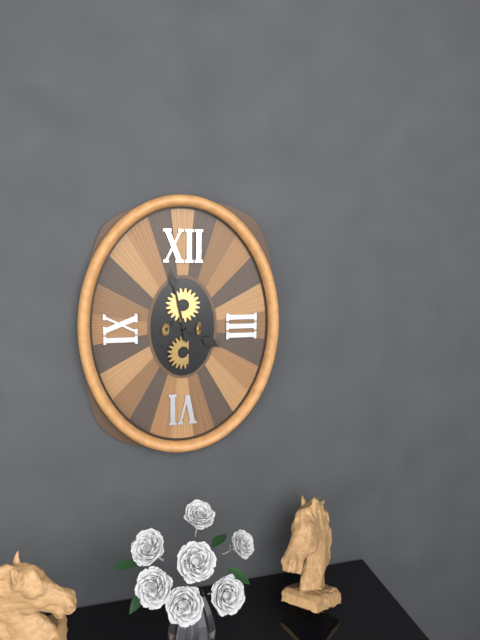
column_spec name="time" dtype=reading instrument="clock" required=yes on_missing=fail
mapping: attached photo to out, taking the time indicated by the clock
3:58
